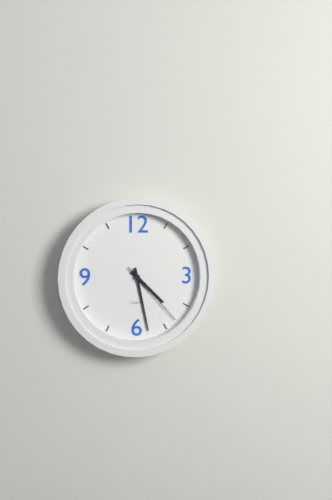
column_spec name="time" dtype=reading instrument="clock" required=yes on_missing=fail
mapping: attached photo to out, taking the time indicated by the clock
4:28:23
